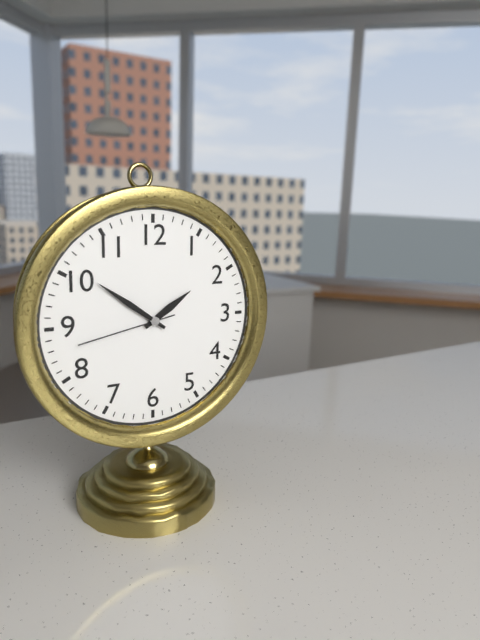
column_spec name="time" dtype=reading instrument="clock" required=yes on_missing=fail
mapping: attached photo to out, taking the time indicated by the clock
1:51:43
